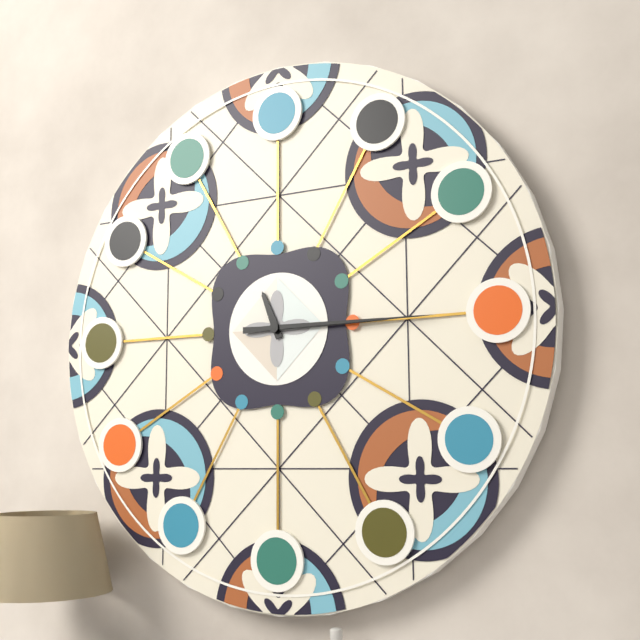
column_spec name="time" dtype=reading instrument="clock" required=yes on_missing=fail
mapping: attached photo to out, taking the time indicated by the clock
11:15:15
